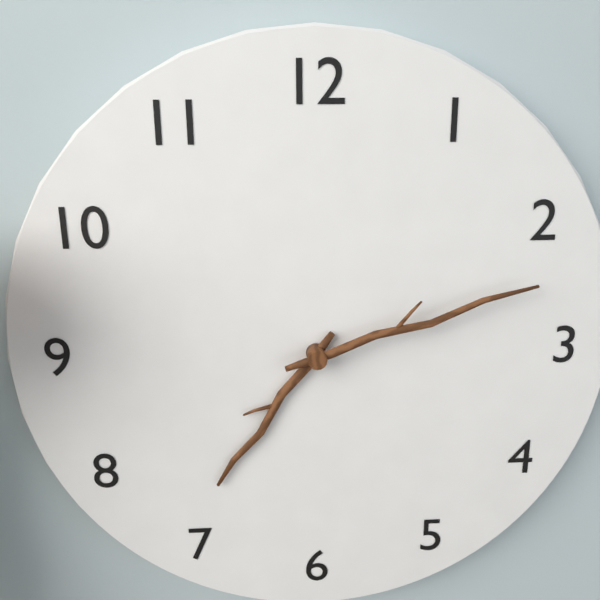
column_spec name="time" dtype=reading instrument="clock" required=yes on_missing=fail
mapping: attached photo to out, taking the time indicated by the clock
7:12
